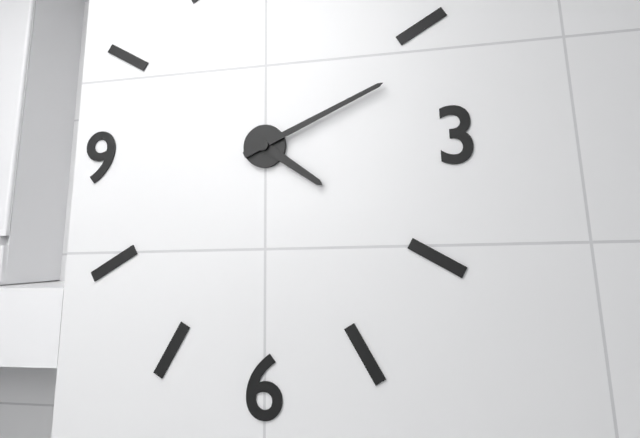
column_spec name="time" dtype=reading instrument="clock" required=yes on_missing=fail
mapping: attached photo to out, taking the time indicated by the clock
4:11
